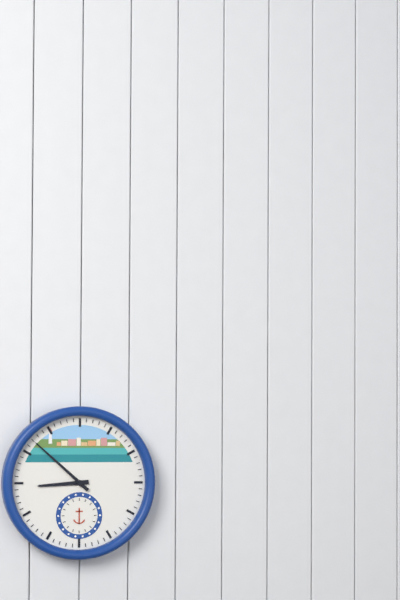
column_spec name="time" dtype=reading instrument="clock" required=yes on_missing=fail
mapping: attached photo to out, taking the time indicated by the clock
8:52
